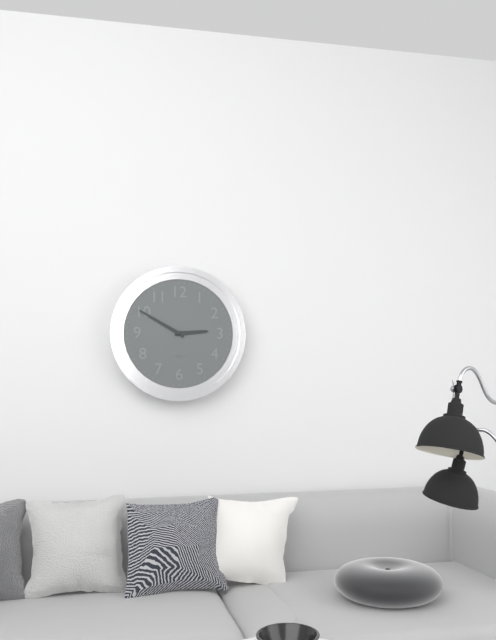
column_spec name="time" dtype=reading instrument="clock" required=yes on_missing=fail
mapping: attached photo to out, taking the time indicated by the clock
2:50
